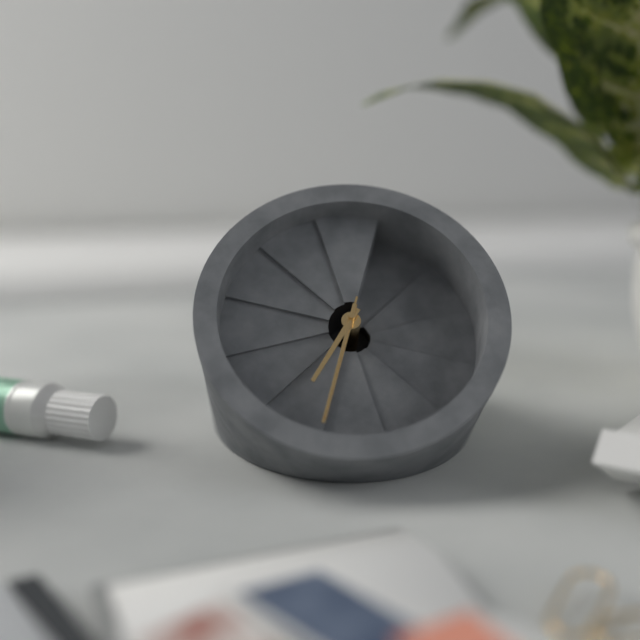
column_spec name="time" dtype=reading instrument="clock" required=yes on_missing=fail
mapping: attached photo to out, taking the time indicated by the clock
6:30:30
